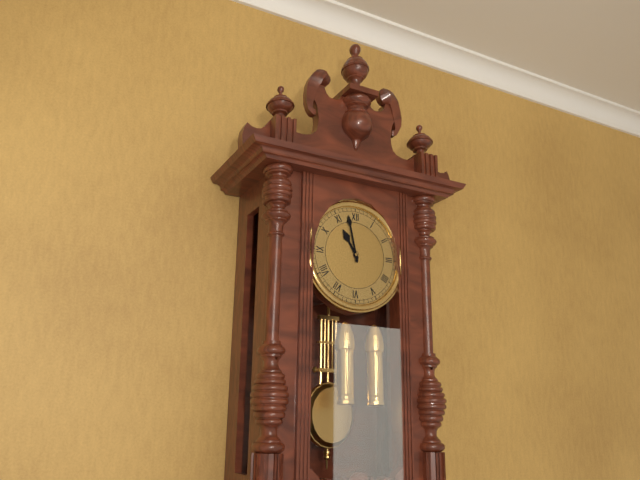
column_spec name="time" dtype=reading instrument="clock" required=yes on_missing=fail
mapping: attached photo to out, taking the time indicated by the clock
10:58
